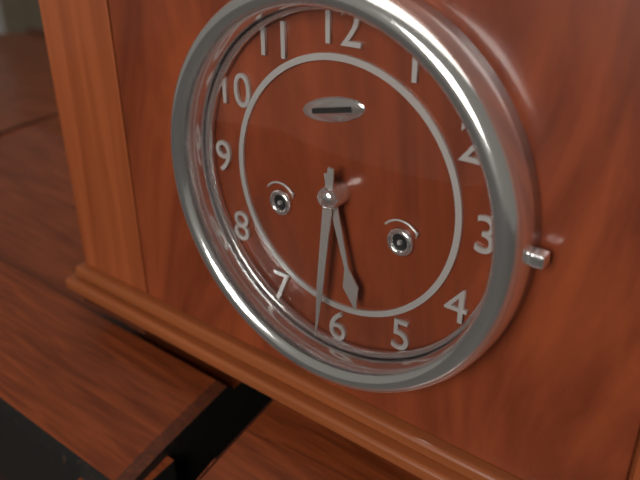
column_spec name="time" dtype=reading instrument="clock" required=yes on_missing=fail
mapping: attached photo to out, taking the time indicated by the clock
5:31
